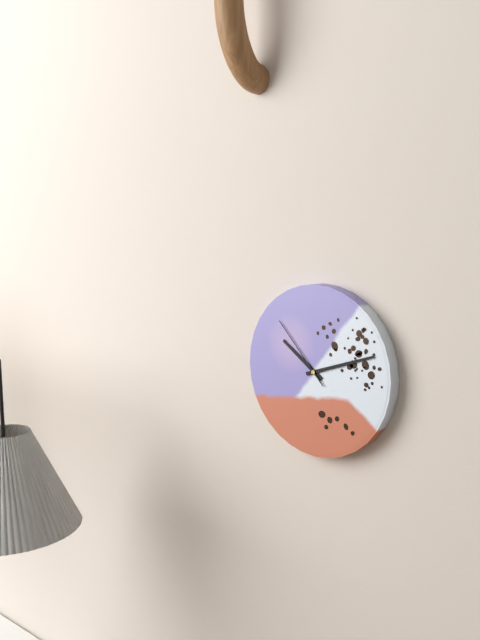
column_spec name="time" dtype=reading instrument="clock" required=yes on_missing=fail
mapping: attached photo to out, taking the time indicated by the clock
10:12:53
